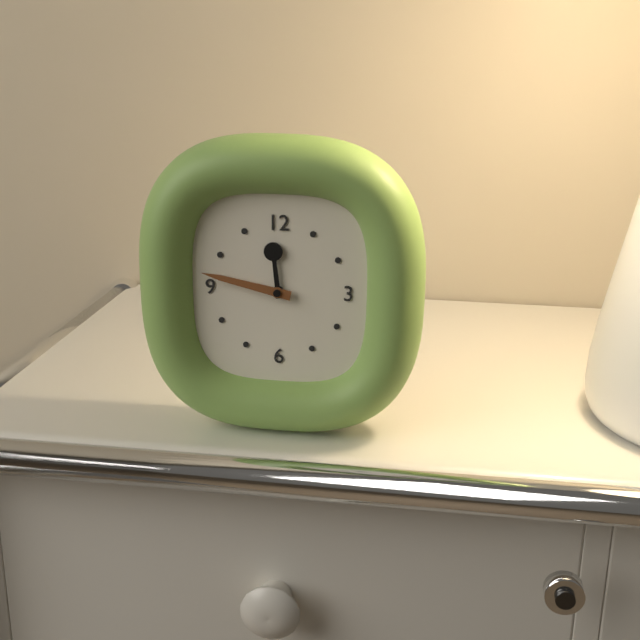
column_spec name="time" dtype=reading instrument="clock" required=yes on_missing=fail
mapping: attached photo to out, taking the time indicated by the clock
11:47
